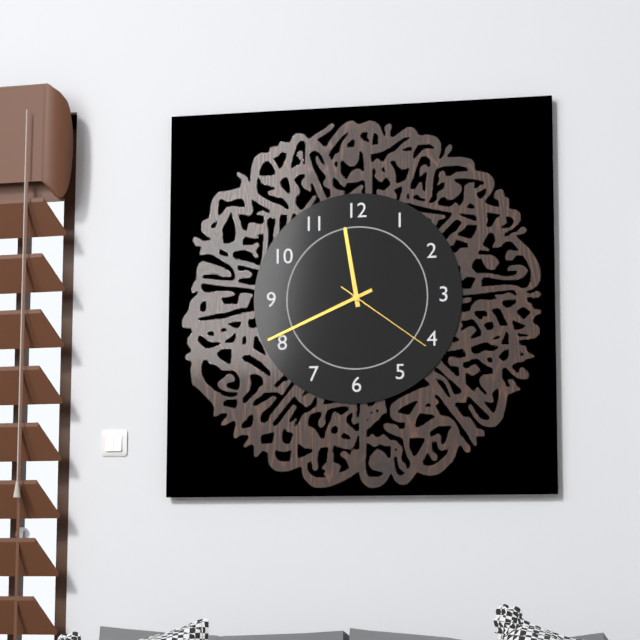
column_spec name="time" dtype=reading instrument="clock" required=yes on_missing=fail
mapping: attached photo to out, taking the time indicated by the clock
11:41:21
